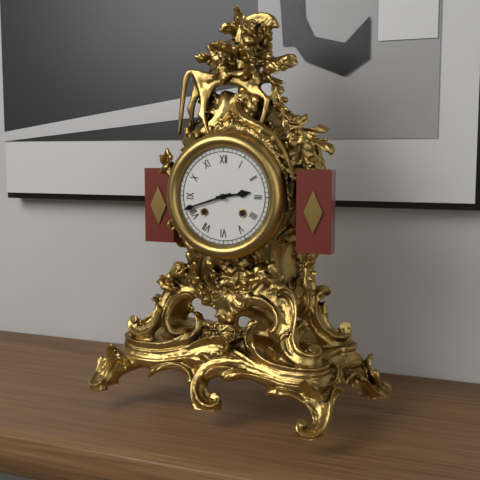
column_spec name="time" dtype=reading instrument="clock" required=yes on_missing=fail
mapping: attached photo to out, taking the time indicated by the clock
2:42
